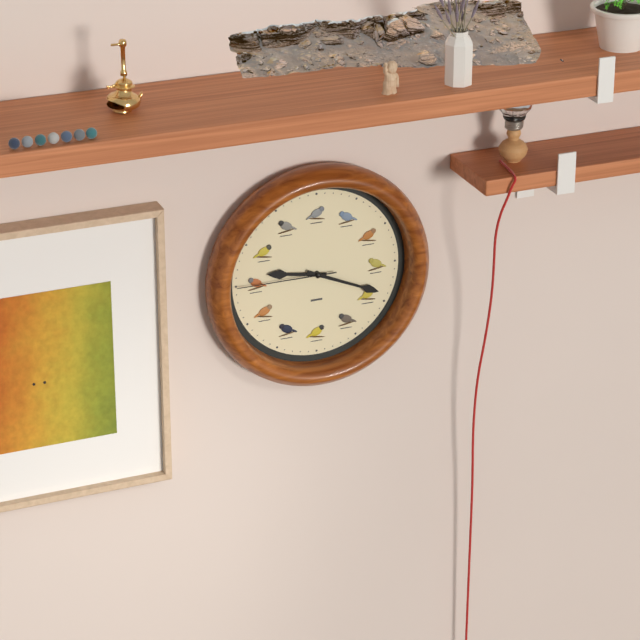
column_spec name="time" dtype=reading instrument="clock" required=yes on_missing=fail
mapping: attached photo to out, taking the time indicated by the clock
9:19:45
